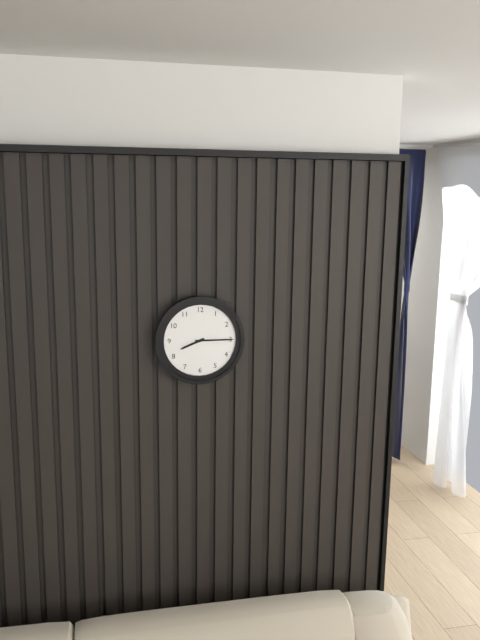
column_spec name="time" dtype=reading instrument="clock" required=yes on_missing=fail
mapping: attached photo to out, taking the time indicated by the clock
8:15
